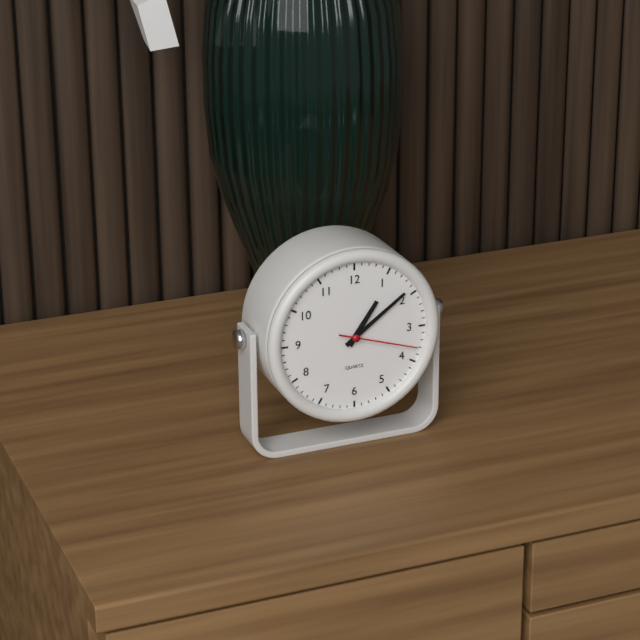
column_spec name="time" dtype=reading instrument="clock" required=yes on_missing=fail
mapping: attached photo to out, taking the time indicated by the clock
1:09:18
